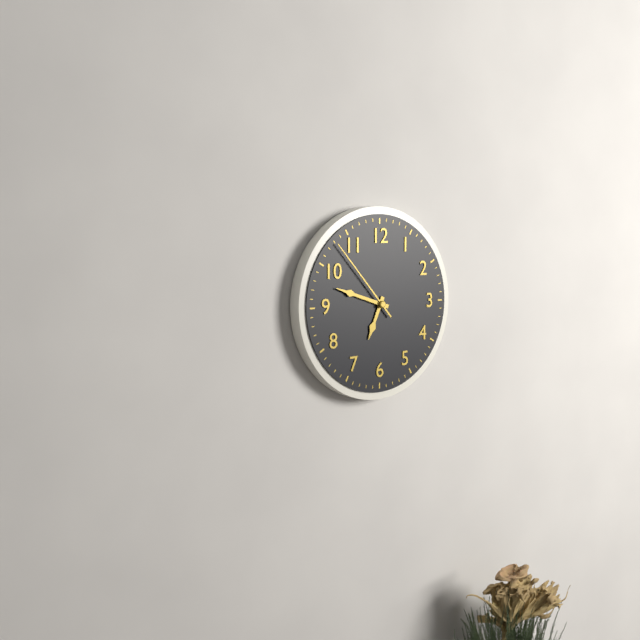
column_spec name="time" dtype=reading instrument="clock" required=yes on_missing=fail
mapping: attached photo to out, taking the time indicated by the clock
6:48:53
